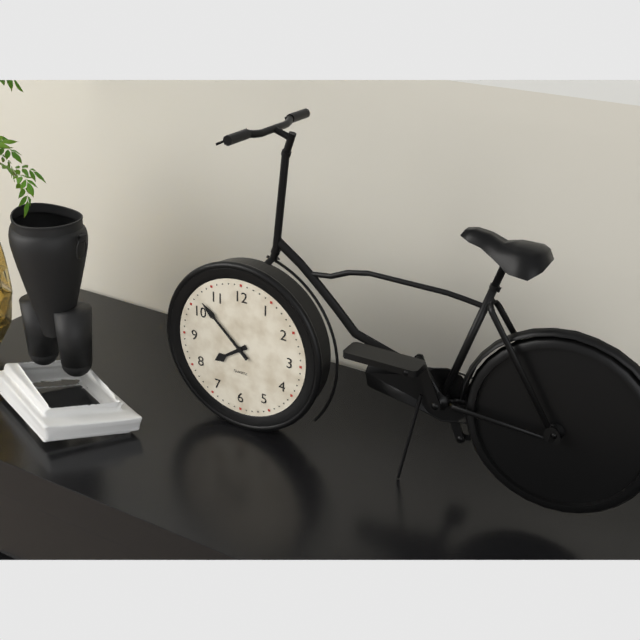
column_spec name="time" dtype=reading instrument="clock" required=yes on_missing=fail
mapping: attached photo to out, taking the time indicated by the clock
7:52
